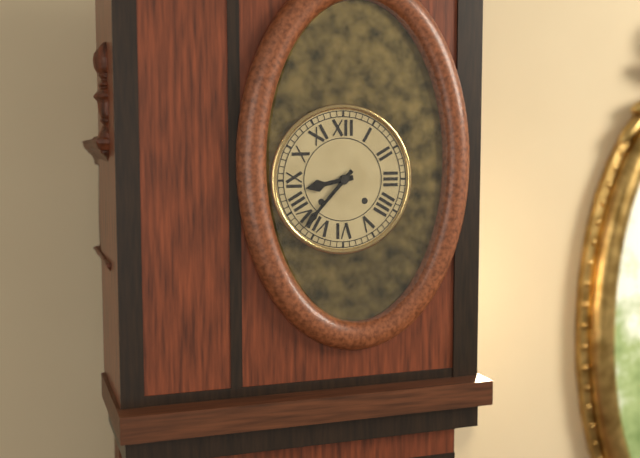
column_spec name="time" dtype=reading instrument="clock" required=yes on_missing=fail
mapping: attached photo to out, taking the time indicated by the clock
8:37
